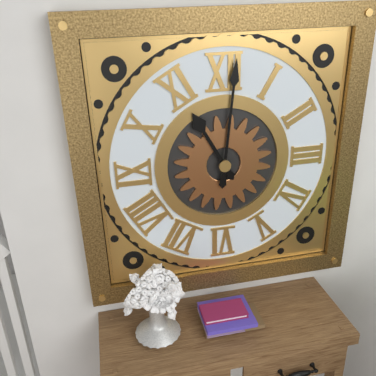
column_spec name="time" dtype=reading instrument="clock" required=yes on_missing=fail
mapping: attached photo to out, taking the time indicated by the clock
11:01
